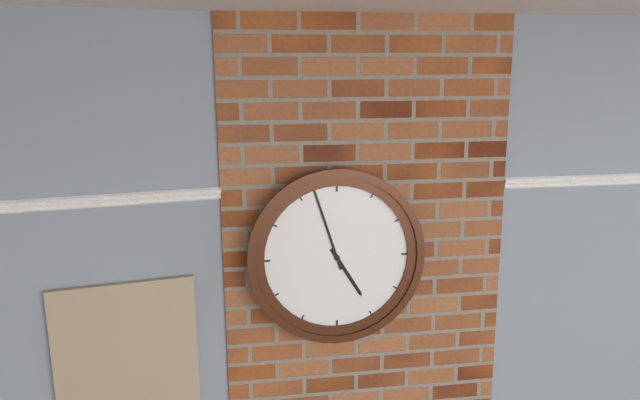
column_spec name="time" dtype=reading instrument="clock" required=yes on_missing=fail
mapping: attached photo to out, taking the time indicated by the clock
4:57
